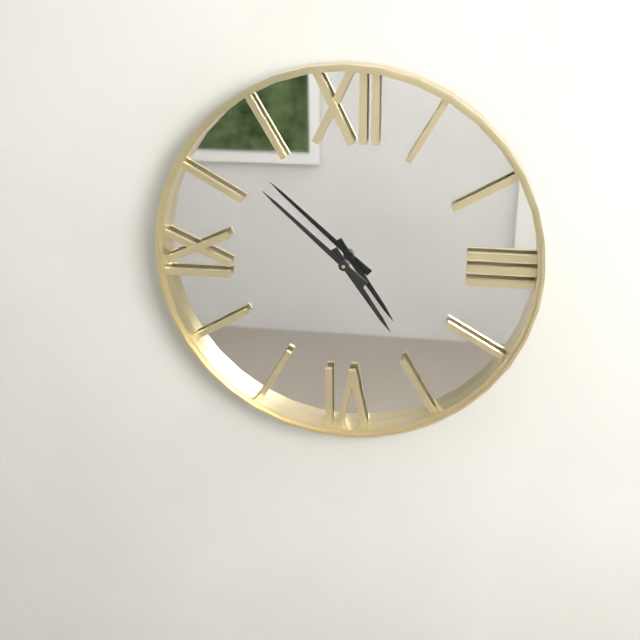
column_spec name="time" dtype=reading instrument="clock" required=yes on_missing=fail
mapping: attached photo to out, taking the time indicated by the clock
4:52
